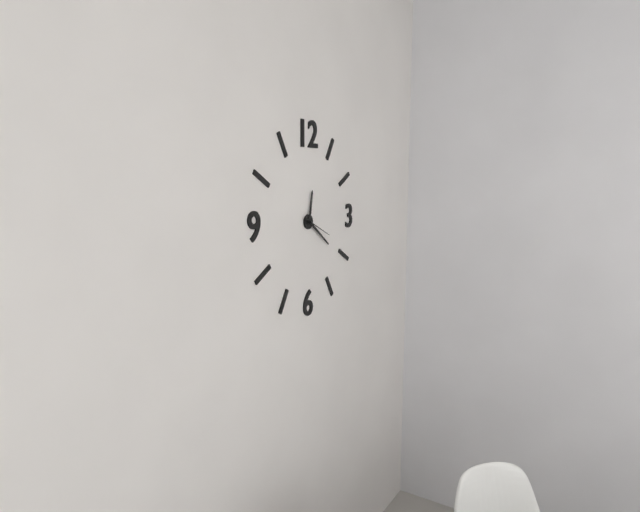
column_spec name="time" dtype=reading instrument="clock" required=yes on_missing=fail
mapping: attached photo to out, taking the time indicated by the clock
12:21
